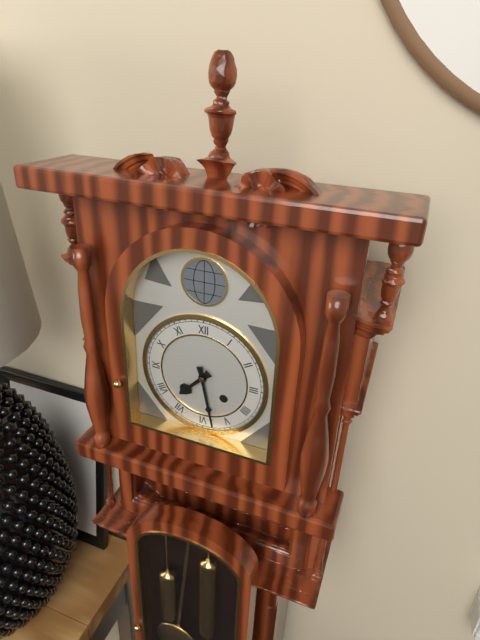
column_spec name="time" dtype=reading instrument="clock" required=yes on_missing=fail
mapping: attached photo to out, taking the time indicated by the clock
7:28
